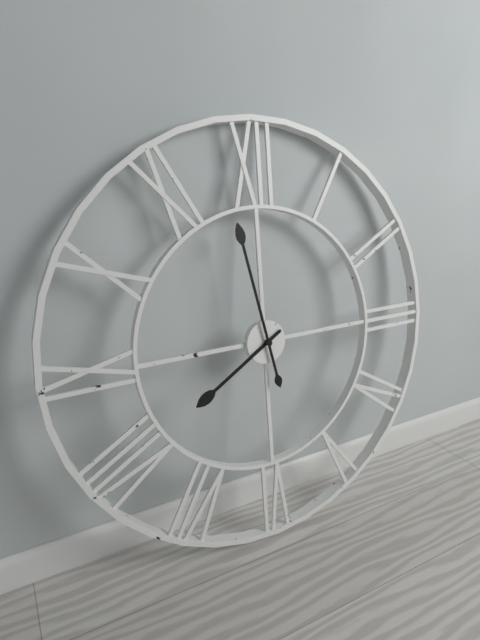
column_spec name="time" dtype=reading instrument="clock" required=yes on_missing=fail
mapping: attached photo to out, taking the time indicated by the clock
7:58
